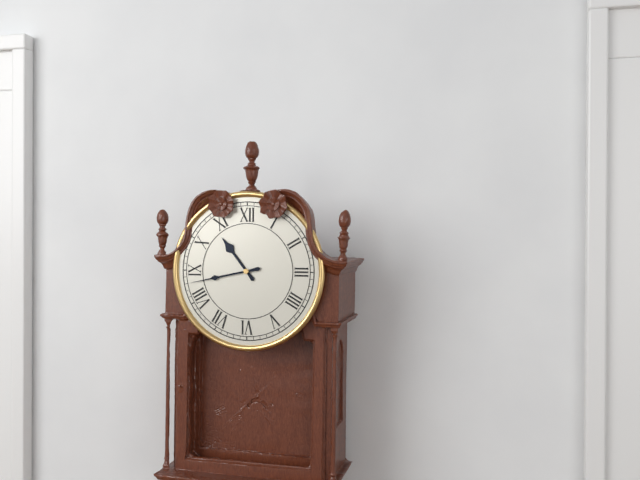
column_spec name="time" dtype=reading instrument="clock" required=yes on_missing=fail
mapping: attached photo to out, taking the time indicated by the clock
10:43
